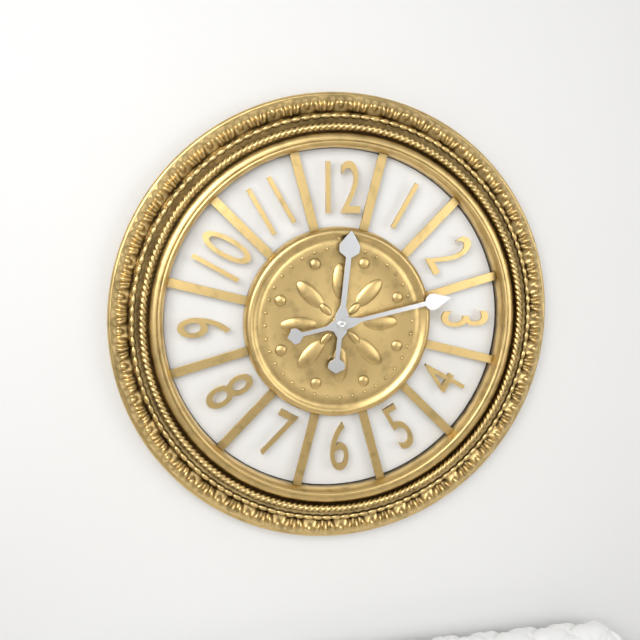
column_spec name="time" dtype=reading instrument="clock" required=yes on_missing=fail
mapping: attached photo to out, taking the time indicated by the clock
12:13
